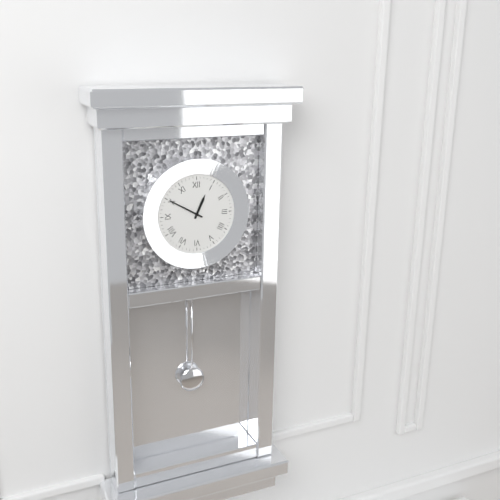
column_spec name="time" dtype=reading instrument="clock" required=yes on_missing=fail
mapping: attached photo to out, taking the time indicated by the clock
12:50
